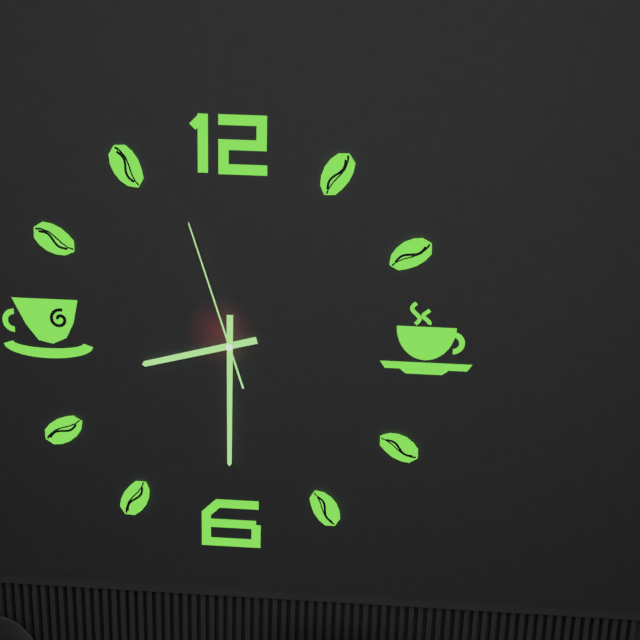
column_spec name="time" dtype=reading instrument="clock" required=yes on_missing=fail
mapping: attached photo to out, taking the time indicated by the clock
8:30:57
